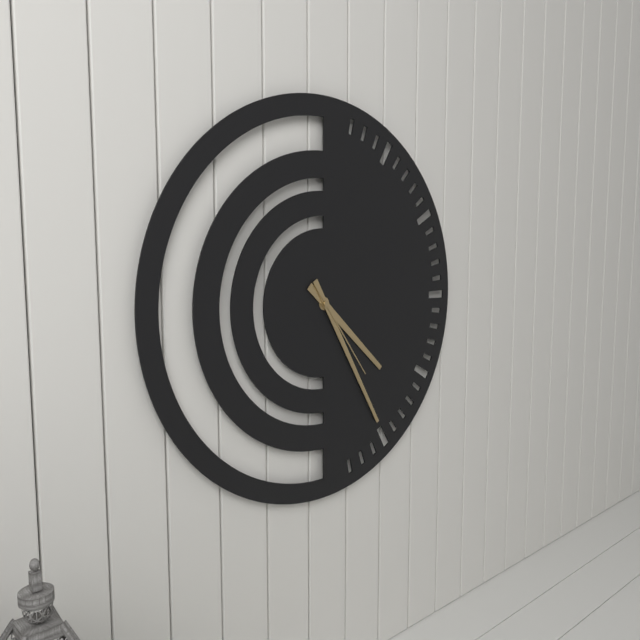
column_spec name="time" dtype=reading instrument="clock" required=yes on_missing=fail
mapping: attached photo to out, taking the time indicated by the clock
4:25:24
